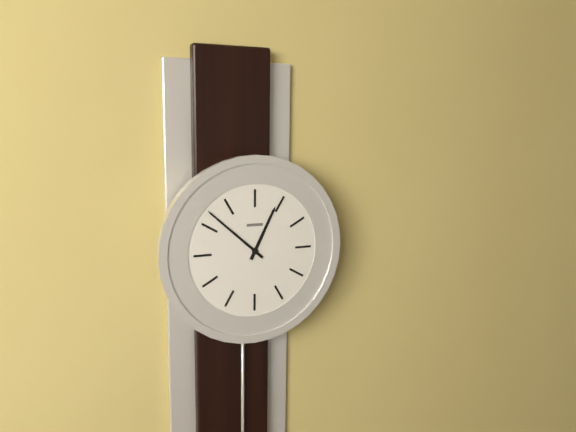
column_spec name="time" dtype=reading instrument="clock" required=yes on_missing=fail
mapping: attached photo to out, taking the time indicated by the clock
12:52
